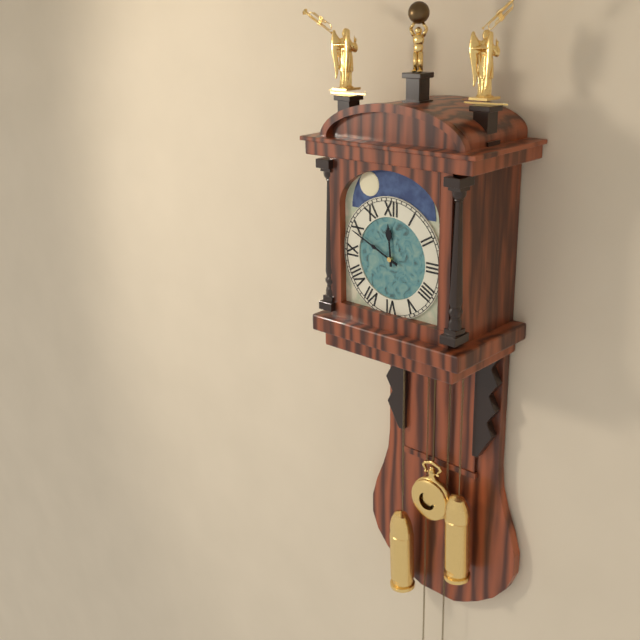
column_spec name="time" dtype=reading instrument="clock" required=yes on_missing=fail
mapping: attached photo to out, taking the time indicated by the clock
11:49
